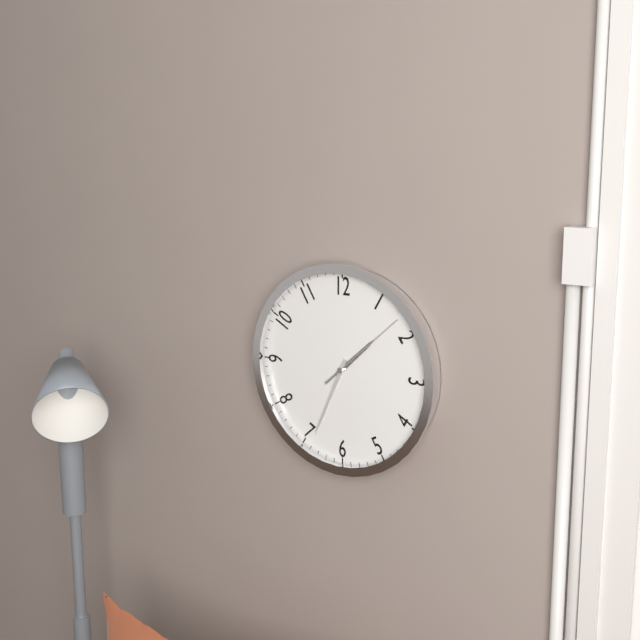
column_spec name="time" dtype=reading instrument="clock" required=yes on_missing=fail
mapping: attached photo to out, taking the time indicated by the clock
1:34:08
